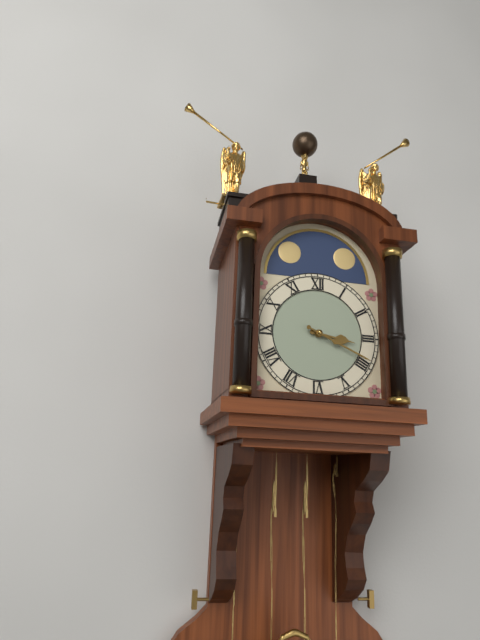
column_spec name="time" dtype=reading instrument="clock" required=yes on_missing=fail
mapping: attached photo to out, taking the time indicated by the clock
3:19
